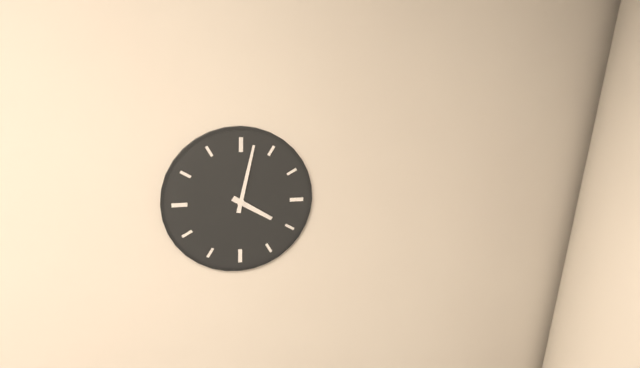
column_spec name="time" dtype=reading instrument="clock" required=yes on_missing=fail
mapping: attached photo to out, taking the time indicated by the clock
4:02
